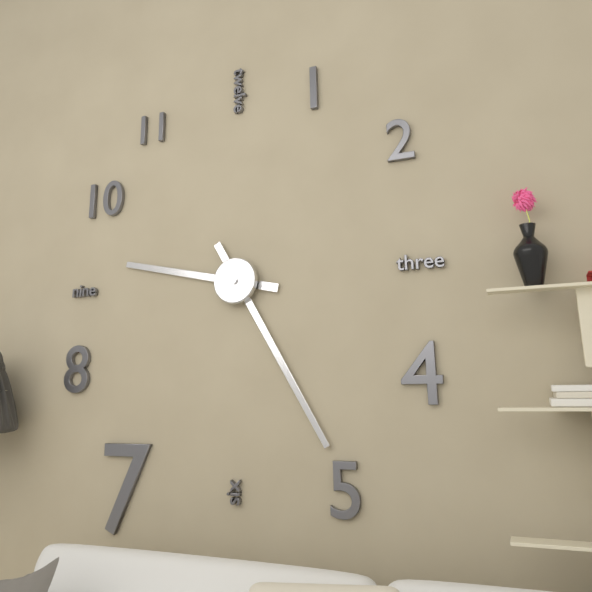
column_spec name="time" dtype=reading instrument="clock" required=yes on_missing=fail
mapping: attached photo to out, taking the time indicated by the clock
9:25
